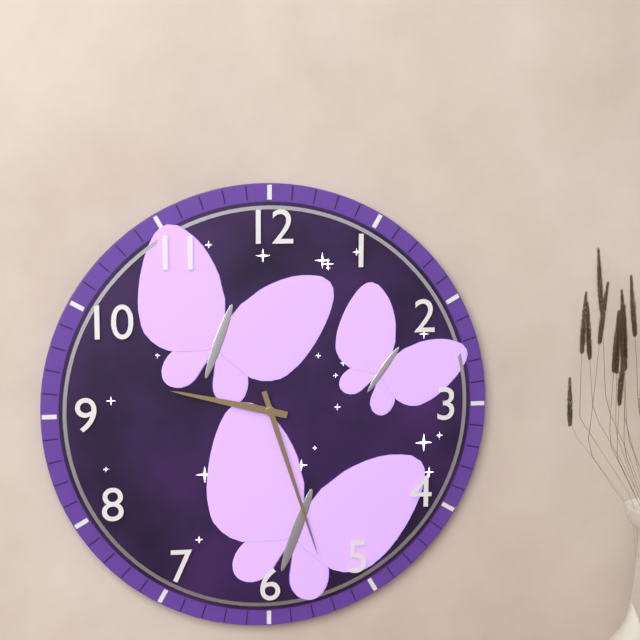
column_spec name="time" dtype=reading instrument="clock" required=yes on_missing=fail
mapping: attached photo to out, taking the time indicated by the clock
9:27
